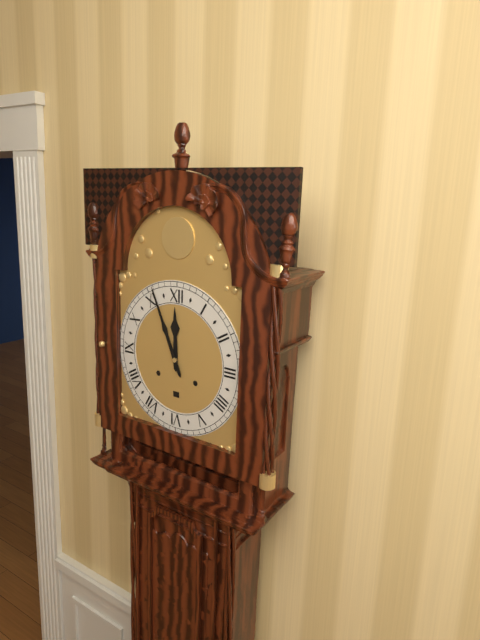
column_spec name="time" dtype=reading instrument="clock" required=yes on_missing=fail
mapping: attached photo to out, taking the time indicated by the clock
11:56
